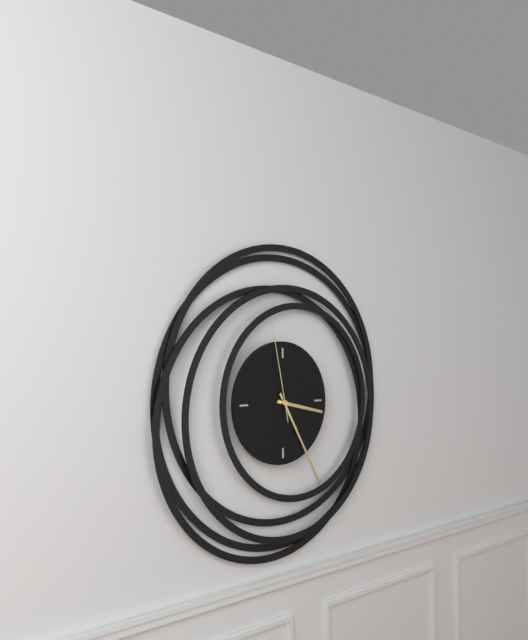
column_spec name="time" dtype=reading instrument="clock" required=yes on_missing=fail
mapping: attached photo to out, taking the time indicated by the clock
3:25:58
